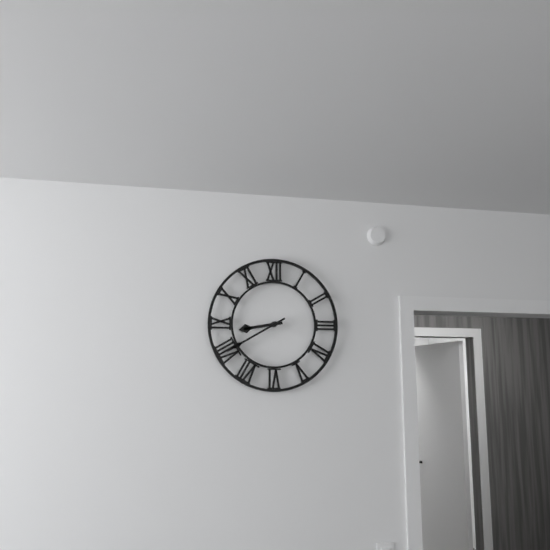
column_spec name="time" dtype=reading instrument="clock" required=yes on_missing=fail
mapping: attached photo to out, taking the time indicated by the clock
8:40
